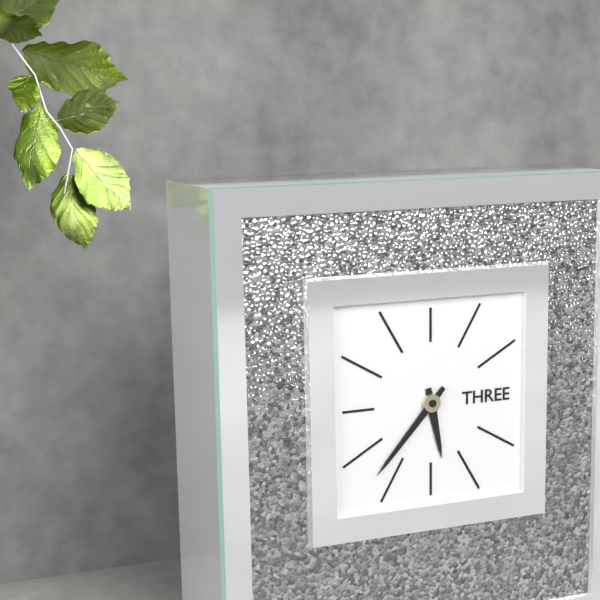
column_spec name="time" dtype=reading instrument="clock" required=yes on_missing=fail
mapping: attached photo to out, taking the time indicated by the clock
5:37
